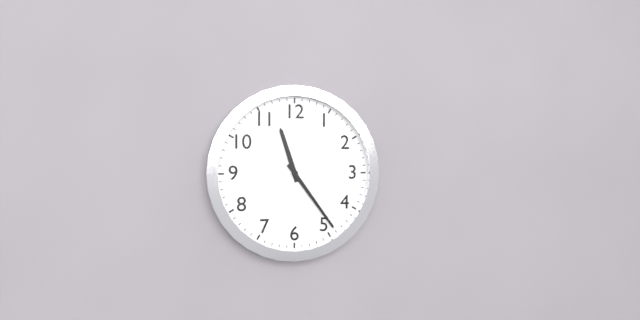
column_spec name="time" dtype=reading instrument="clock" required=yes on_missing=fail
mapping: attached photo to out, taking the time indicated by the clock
11:24
